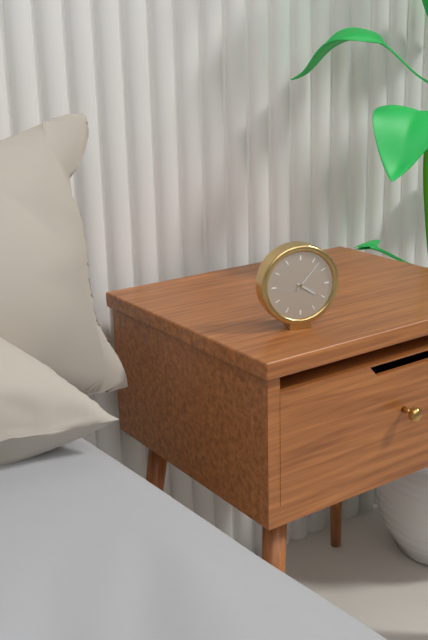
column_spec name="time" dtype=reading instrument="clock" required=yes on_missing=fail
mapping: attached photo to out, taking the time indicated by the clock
4:07
